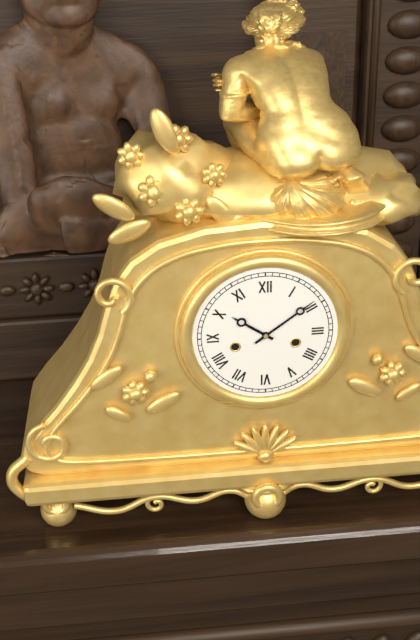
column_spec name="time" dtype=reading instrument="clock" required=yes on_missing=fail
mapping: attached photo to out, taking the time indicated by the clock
10:09
